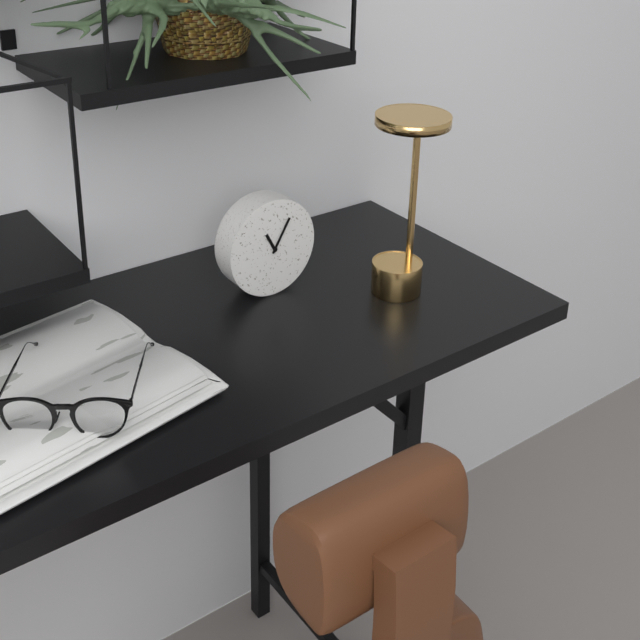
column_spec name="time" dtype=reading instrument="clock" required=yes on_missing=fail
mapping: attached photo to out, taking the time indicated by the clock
11:05
